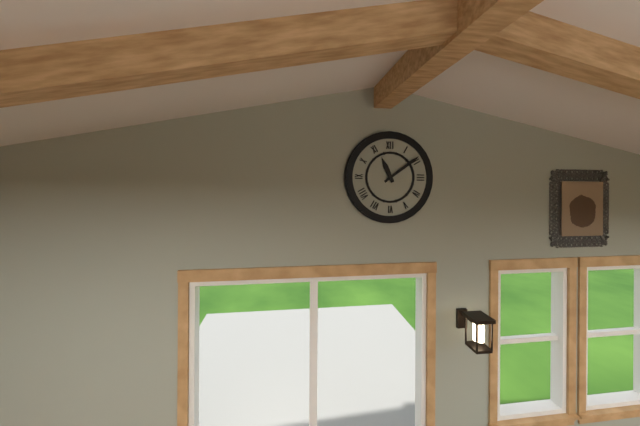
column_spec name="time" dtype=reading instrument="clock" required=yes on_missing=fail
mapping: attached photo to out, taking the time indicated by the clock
11:09
